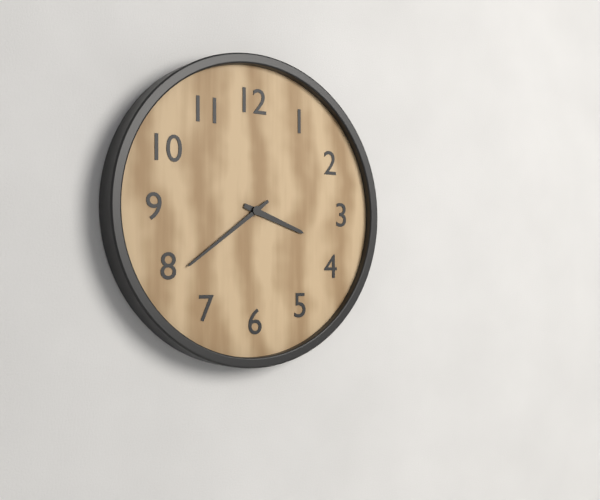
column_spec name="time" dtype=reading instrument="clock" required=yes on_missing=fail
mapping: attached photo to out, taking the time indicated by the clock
3:39
